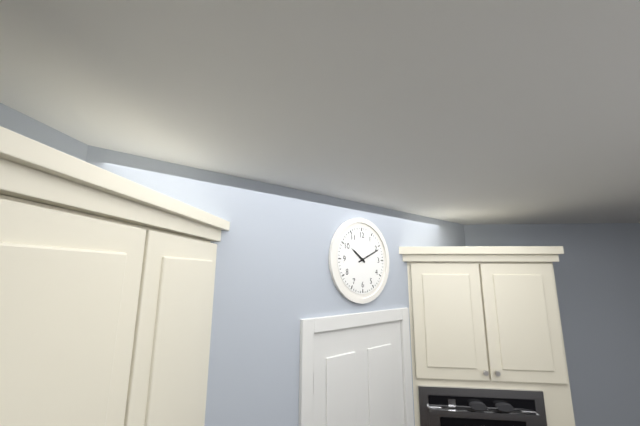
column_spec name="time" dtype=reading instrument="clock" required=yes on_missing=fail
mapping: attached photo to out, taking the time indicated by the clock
10:11
